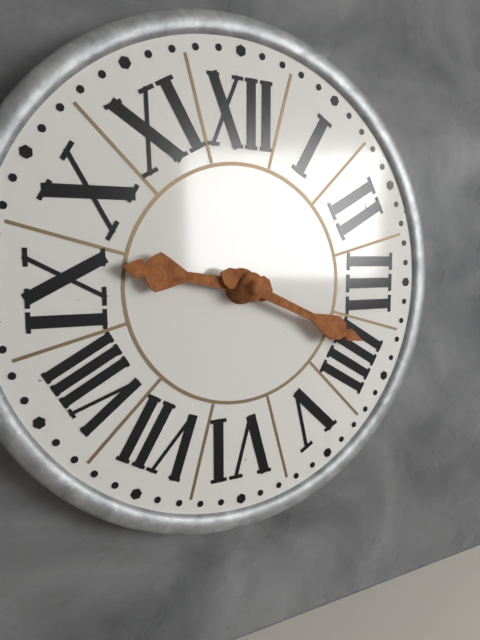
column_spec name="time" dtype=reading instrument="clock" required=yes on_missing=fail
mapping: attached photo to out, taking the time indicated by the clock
9:19
